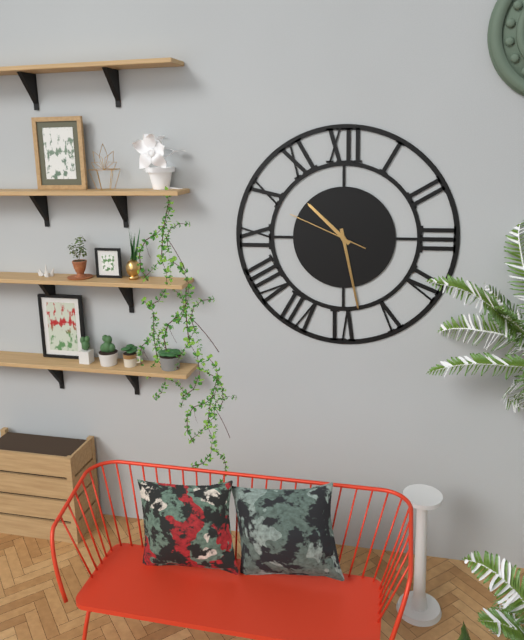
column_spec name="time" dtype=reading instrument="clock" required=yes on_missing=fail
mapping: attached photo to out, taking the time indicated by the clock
10:28:49
